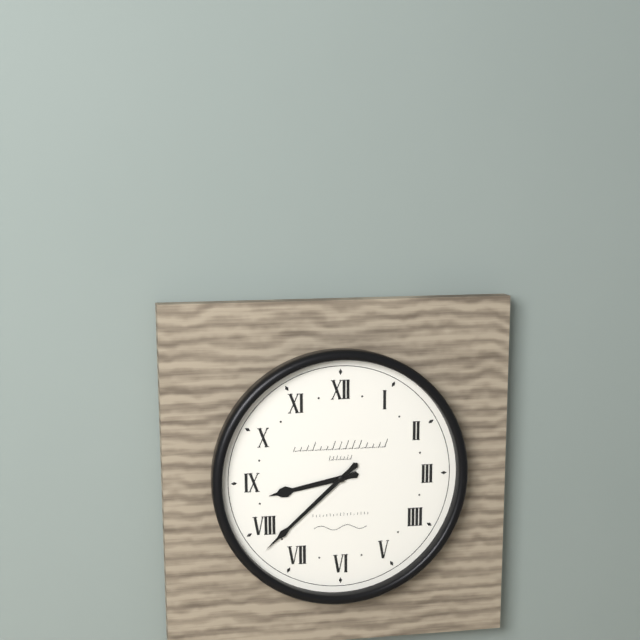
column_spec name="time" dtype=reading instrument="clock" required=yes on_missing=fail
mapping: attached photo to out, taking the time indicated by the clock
8:38
